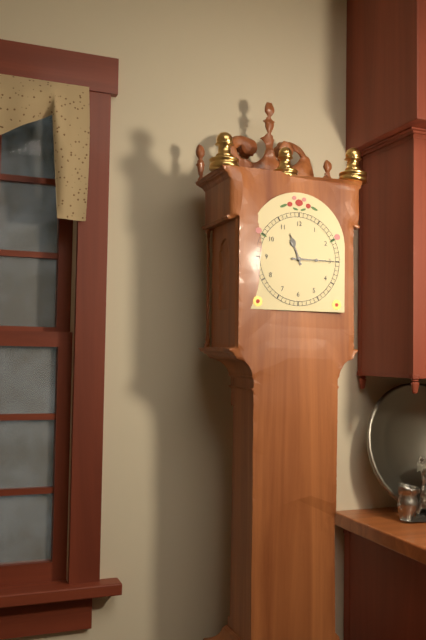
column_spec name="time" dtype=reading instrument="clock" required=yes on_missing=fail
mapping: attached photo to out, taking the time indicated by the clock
11:15
